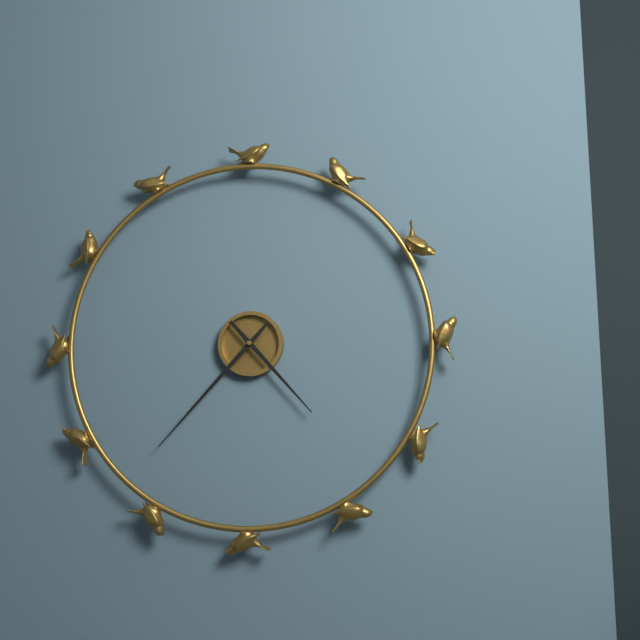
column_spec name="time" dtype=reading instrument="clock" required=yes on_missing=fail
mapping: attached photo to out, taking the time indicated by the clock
4:37
